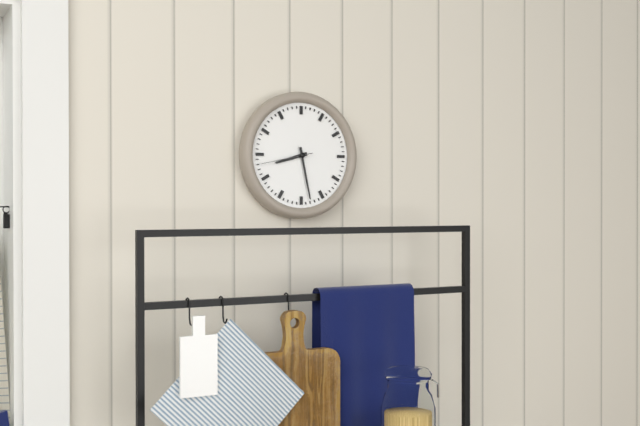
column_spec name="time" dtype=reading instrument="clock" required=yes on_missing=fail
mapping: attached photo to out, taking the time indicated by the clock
8:28:43
